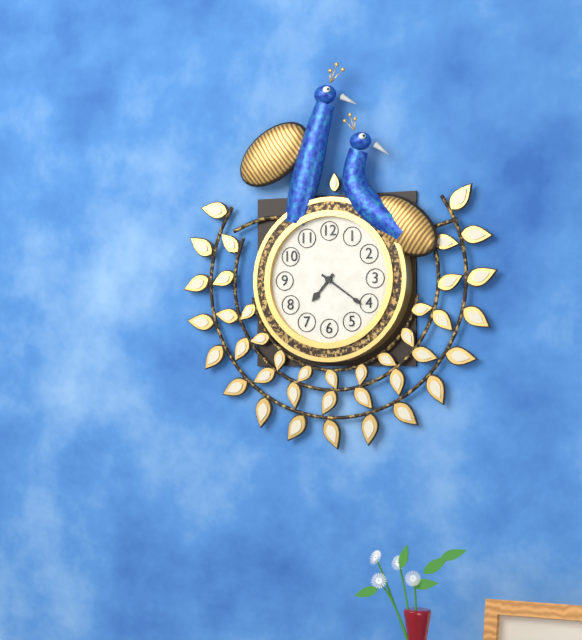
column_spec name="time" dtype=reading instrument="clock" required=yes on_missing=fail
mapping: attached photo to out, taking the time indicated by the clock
7:21
